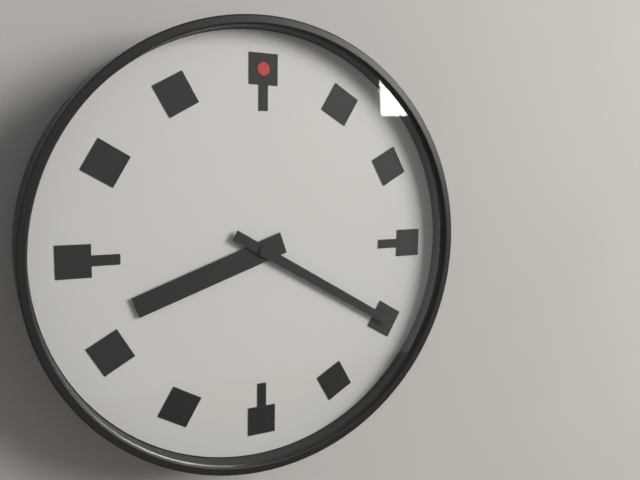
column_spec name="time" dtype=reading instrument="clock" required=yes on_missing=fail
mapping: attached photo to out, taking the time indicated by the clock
8:20
